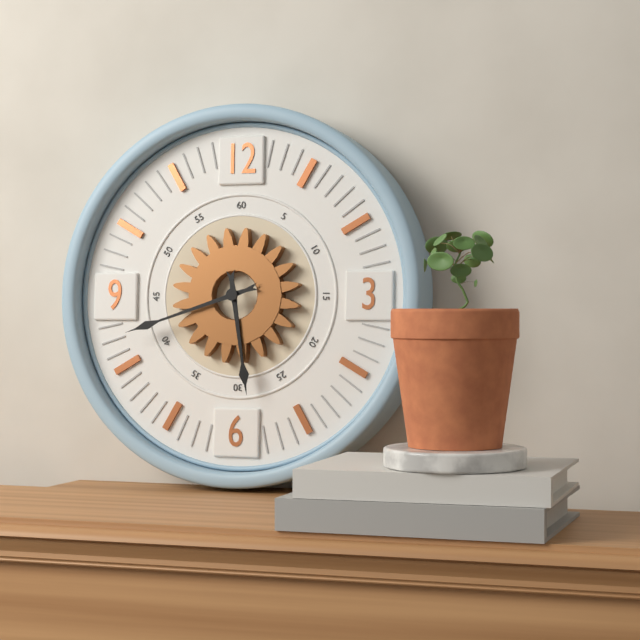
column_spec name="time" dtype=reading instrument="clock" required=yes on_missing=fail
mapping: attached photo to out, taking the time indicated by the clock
5:42
